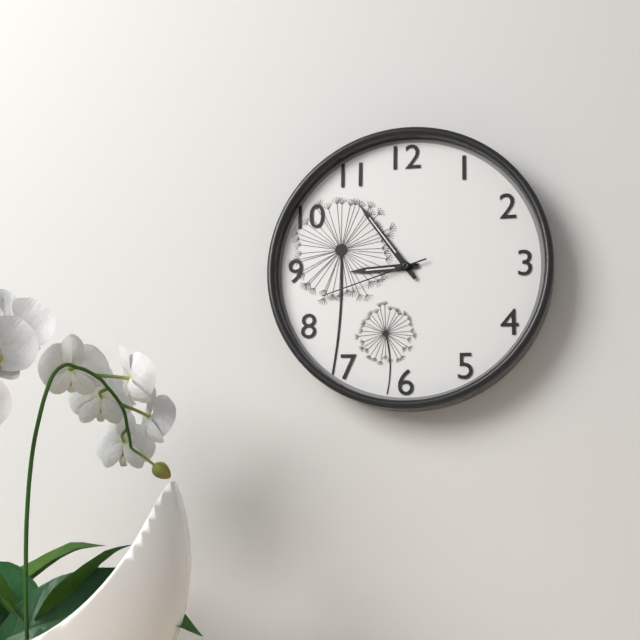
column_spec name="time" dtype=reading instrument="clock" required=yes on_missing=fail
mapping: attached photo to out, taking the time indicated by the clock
8:54:42
